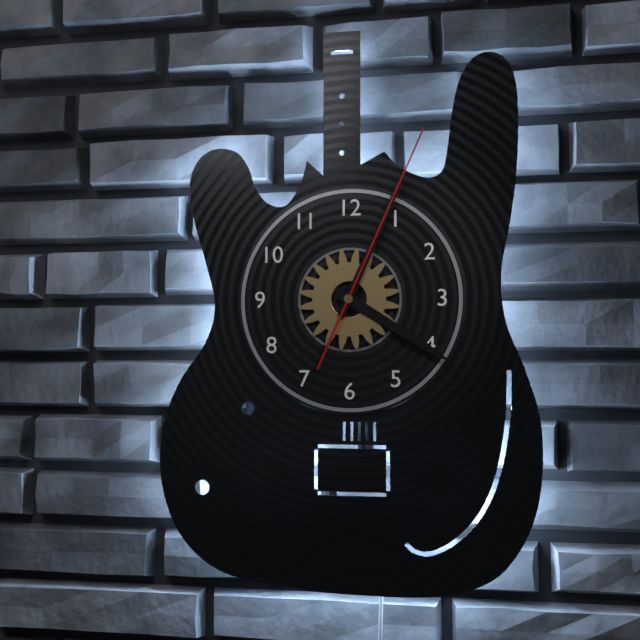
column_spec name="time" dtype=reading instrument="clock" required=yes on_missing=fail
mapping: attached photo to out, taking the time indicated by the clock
4:04:04
